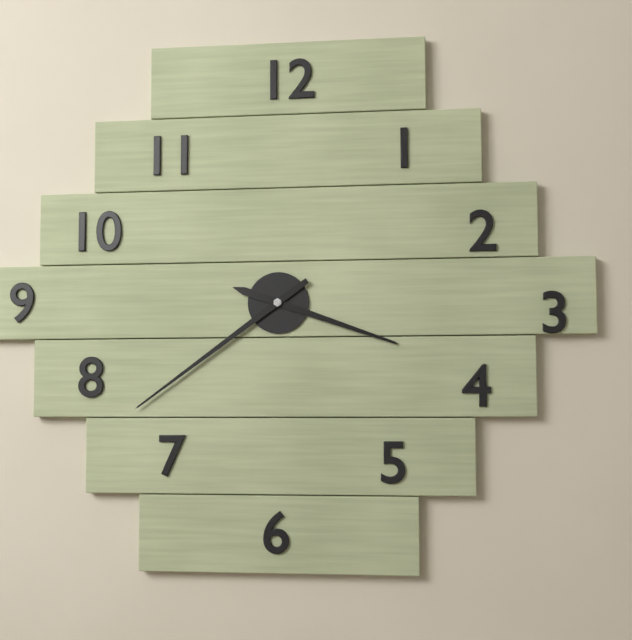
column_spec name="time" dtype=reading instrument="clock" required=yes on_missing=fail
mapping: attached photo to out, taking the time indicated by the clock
3:39
